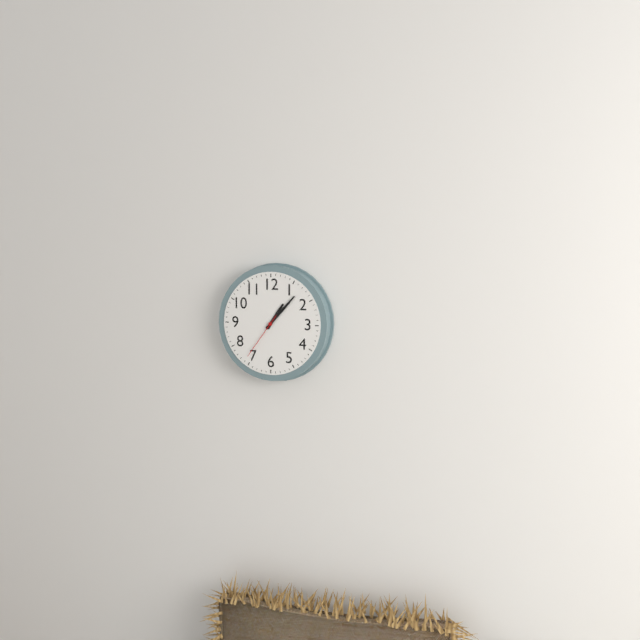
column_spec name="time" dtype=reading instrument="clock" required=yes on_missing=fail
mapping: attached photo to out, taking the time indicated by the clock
1:07
